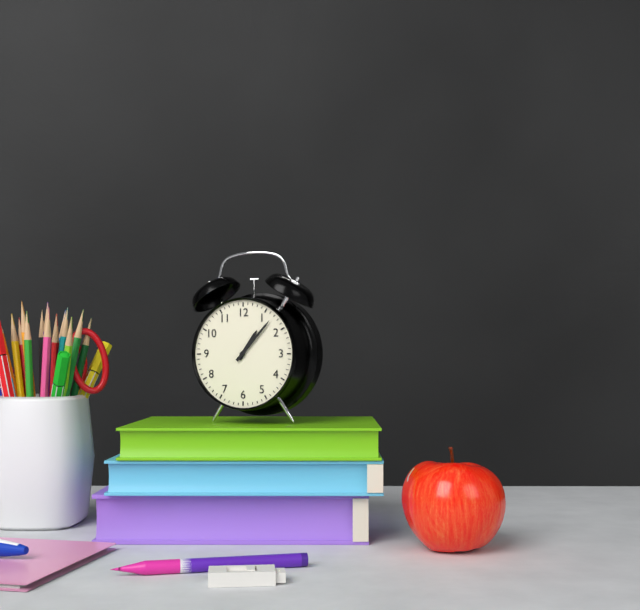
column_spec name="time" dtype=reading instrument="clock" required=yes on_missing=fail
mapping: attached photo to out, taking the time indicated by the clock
1:07
